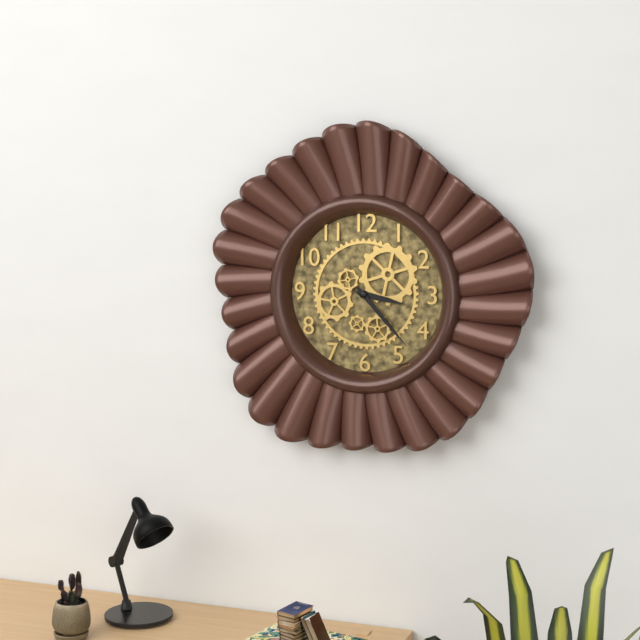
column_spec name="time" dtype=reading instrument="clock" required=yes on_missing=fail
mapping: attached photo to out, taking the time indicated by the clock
3:23
